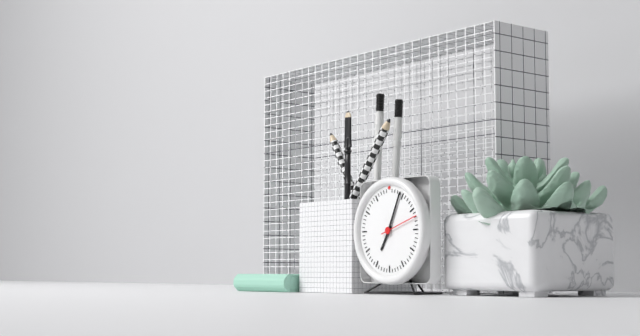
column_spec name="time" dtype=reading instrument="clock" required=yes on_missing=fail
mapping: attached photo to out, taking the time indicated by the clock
7:04
